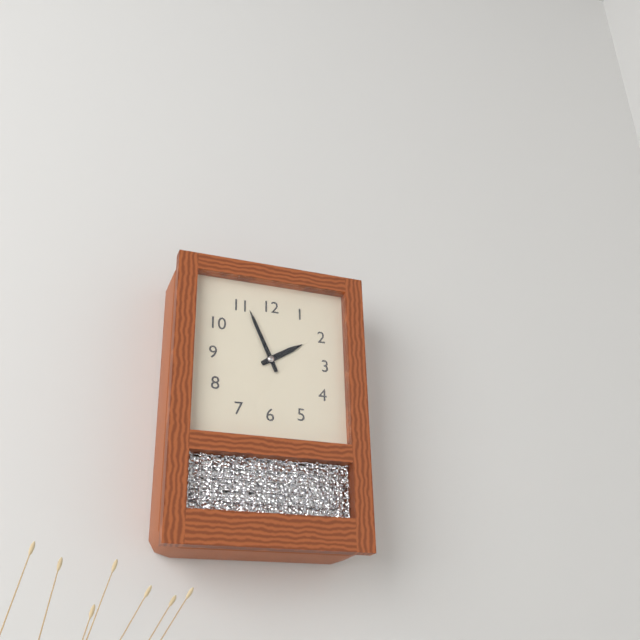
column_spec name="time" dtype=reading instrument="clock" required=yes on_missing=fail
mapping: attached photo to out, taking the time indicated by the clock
1:56
